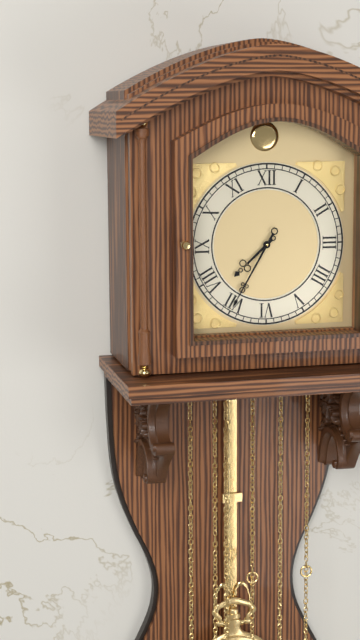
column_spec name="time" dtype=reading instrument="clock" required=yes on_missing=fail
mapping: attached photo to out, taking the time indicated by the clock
7:35
